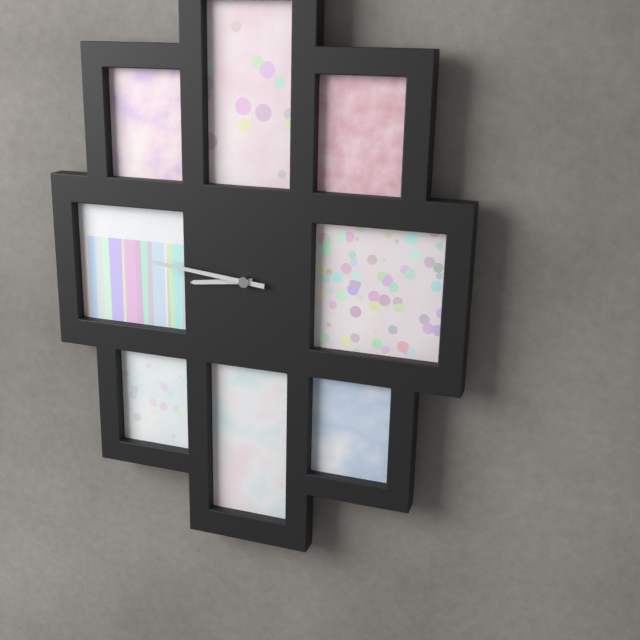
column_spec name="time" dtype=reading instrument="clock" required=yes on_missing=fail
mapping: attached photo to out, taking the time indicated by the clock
8:46
